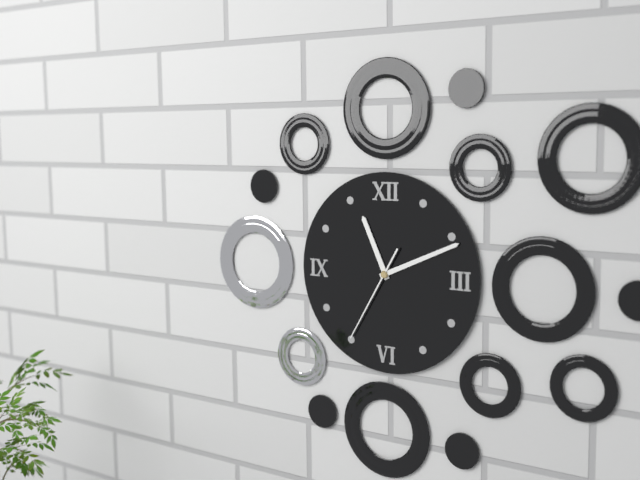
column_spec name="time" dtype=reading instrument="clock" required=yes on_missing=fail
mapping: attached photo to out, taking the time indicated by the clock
11:11:35
